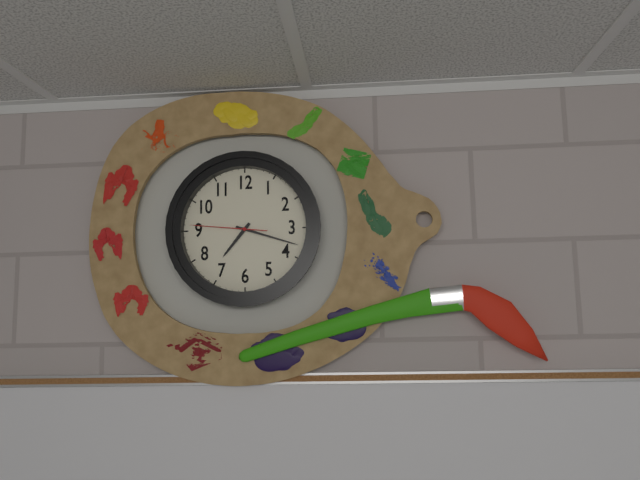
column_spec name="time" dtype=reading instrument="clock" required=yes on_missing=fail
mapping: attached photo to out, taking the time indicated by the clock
7:18:46
